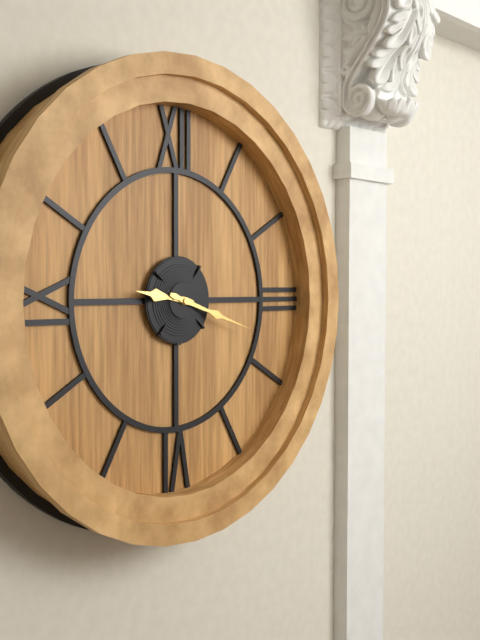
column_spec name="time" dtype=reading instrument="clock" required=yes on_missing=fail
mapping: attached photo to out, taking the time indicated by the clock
9:18
